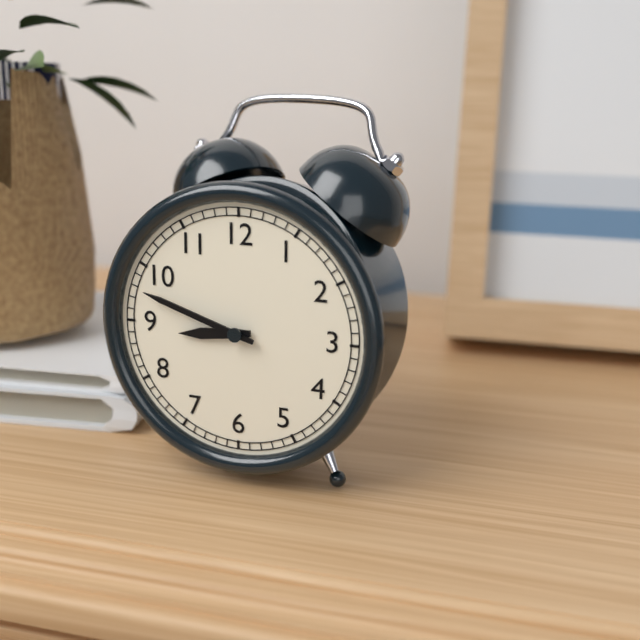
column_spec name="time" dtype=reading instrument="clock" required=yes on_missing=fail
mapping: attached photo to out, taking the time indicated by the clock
8:48
